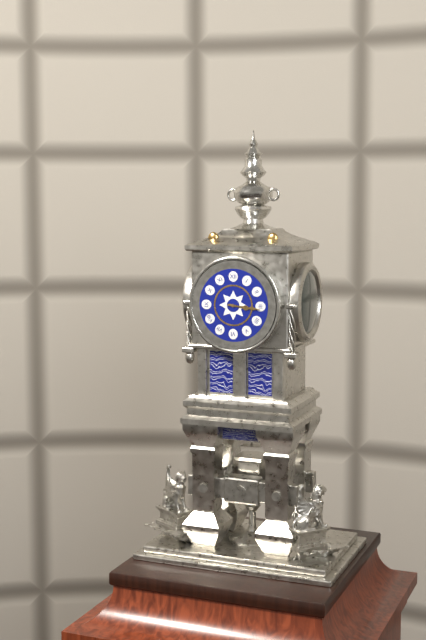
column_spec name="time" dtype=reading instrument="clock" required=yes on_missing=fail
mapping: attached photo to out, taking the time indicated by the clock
3:16
